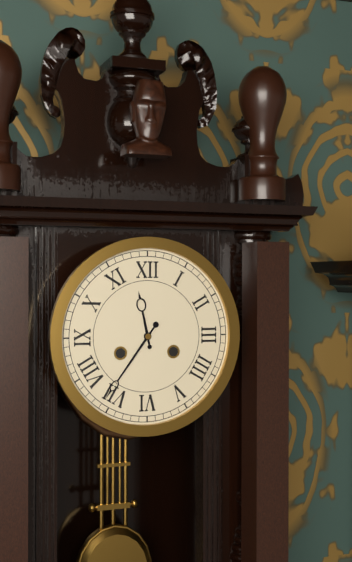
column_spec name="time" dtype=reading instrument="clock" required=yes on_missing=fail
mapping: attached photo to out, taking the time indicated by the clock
11:36
